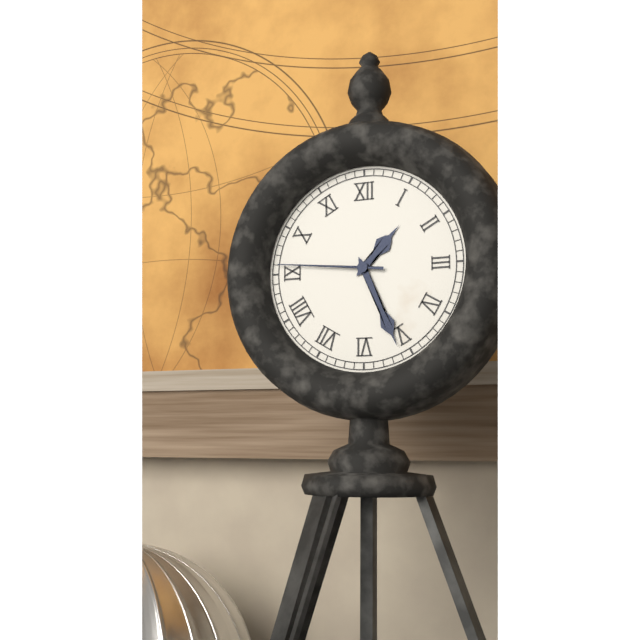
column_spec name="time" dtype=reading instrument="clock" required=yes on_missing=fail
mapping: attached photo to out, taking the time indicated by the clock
1:26:46
